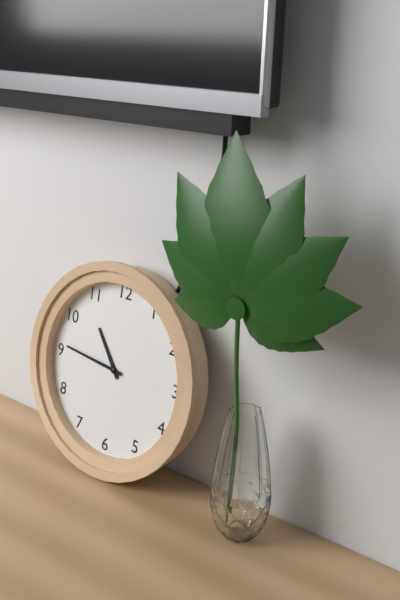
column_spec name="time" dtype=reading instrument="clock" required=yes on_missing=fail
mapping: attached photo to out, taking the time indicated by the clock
10:46
